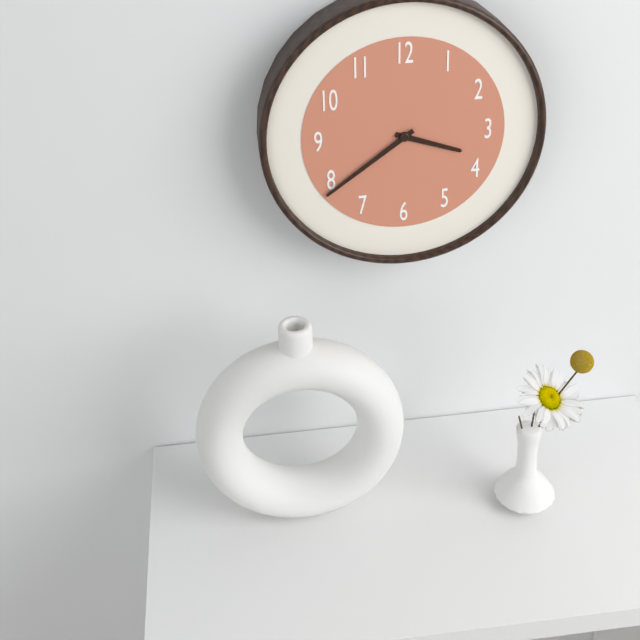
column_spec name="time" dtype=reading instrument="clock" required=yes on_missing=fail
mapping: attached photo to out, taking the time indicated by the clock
3:39
